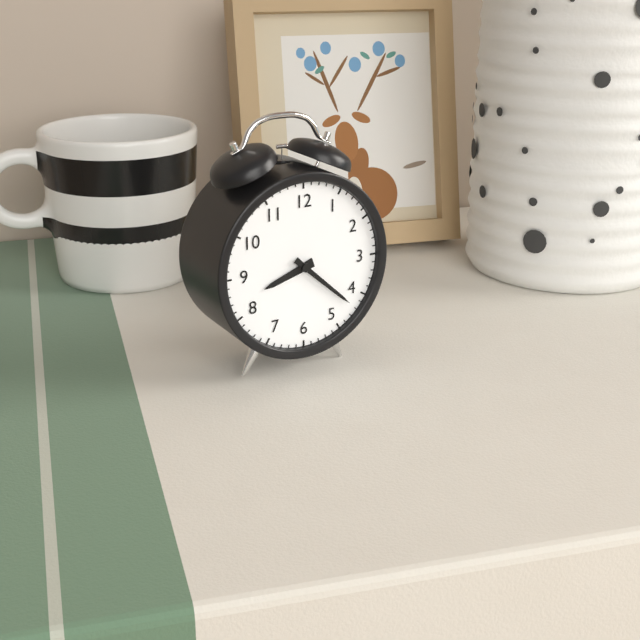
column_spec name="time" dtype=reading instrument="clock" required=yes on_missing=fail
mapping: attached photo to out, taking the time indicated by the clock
8:22
